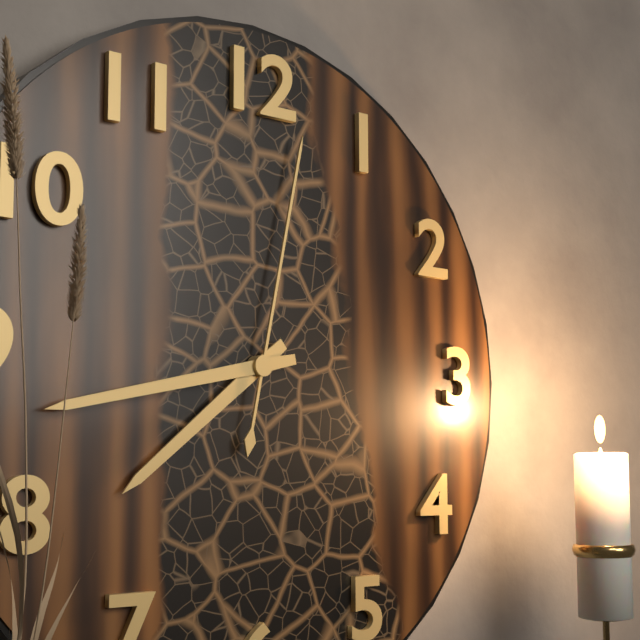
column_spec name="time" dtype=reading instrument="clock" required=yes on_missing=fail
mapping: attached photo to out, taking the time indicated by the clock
7:43:02
